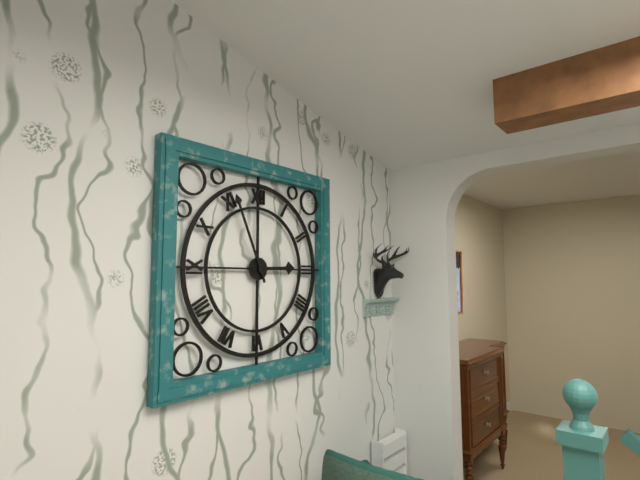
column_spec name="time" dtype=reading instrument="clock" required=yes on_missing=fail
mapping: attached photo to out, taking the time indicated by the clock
2:56
